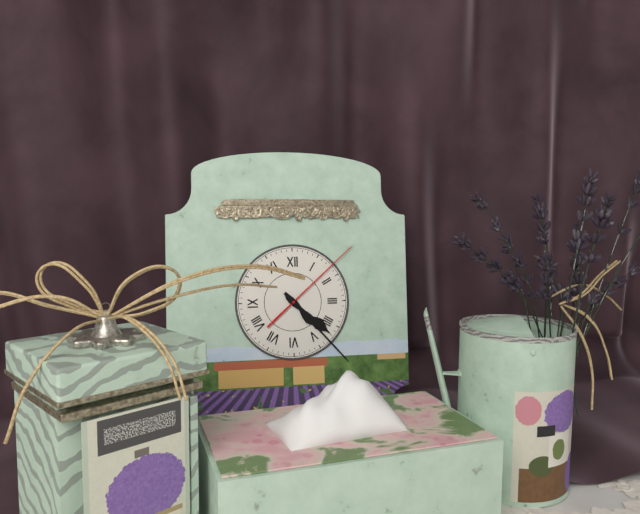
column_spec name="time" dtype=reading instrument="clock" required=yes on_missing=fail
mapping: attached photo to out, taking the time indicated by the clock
4:23:08
